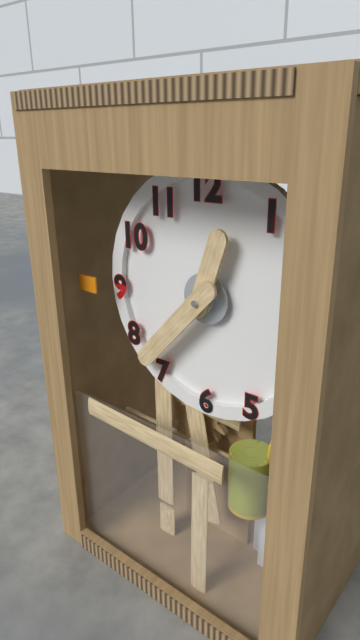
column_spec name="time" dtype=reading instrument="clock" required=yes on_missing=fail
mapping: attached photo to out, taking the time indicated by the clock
12:37
